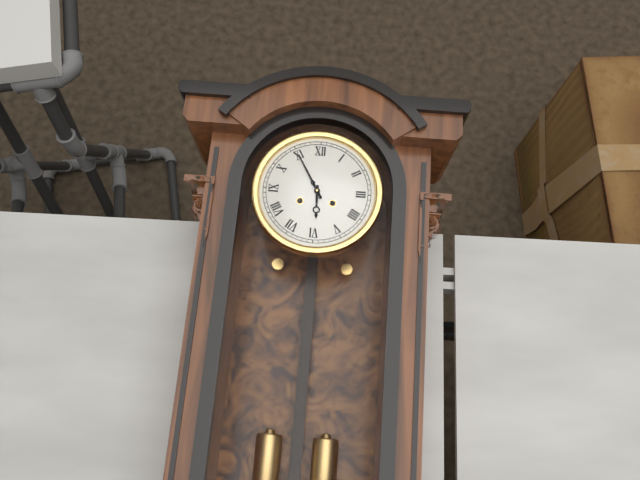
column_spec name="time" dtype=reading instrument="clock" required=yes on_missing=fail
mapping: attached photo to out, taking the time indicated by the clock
5:55
